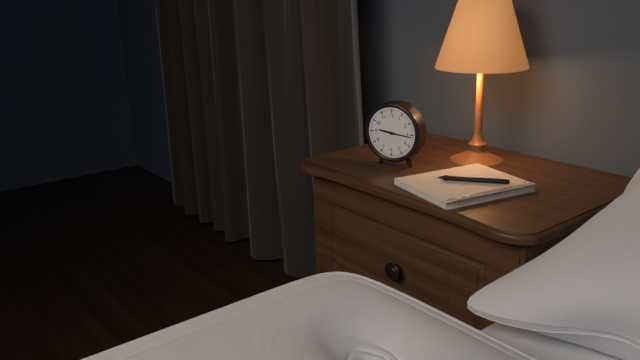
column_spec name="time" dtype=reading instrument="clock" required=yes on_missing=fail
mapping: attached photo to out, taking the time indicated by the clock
9:16
